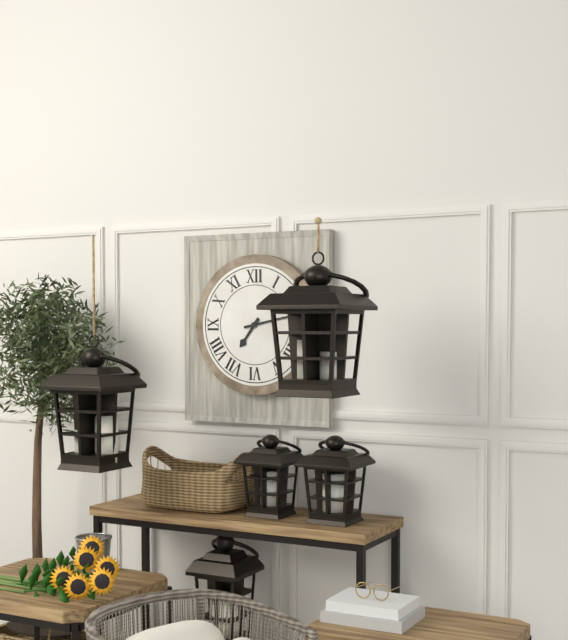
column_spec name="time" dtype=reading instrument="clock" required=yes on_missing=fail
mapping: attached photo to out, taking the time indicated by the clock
7:13
